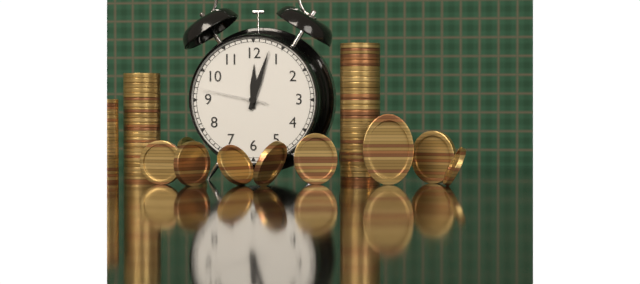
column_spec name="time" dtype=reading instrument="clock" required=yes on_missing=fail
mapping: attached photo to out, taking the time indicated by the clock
12:03:47
